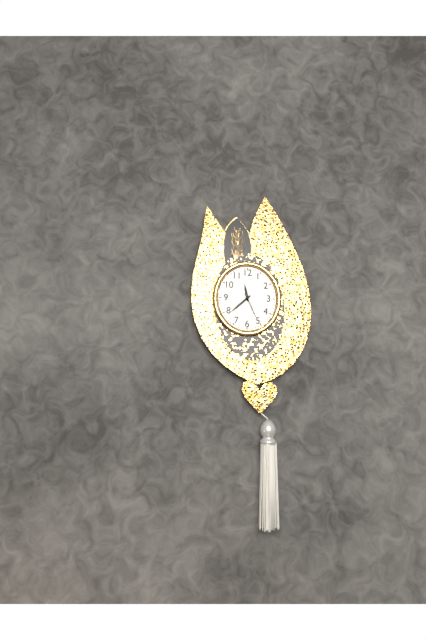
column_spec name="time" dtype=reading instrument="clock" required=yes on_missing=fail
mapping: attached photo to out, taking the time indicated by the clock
11:38
